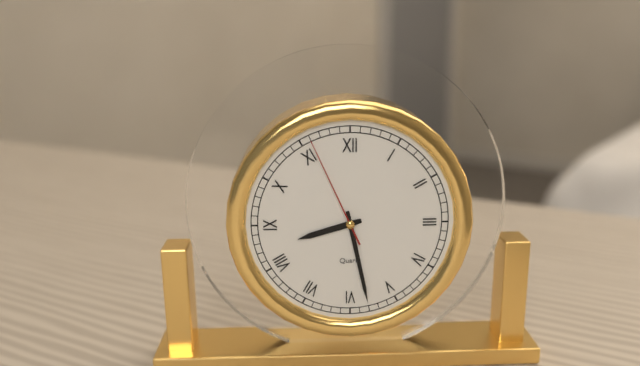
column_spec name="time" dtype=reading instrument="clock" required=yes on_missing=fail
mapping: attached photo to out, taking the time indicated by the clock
8:28:56
